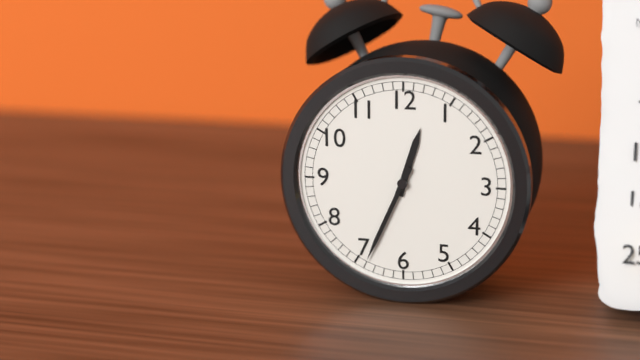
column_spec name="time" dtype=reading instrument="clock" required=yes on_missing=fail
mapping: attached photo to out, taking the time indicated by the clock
12:34
